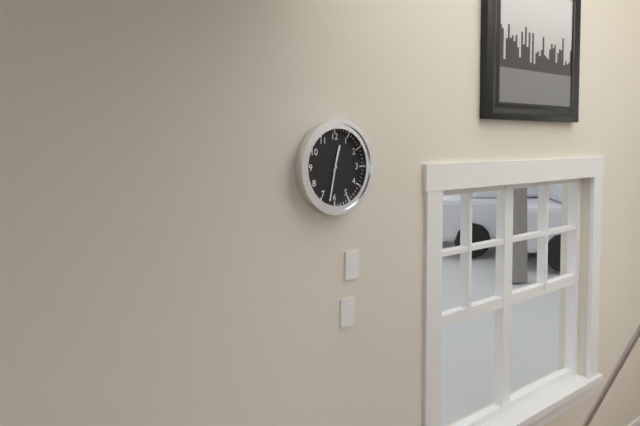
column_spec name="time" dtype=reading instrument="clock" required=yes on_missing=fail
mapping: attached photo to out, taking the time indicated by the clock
12:32
